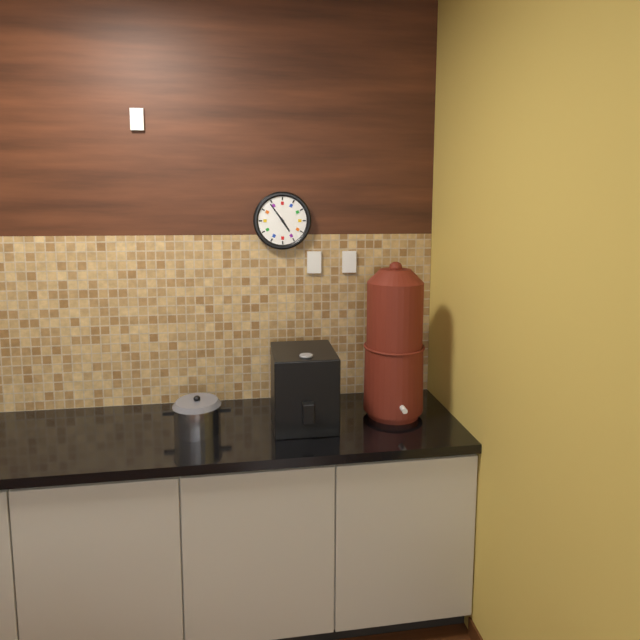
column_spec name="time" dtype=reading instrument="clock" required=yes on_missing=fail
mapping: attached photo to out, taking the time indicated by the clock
4:54
